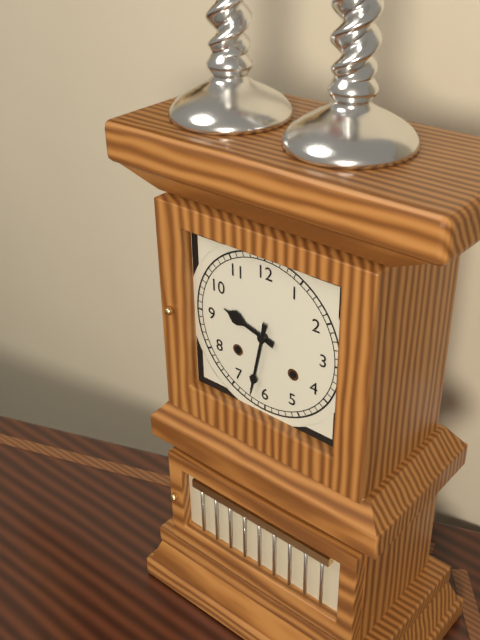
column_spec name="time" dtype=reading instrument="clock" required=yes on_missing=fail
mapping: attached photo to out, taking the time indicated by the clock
9:32
